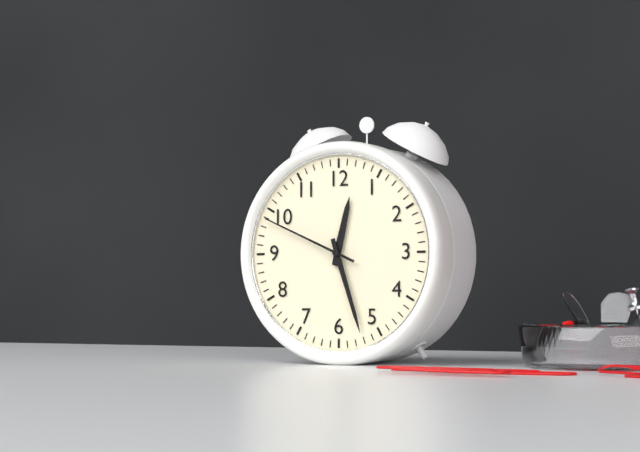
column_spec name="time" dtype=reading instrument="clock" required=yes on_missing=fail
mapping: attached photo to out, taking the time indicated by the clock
12:27:49
